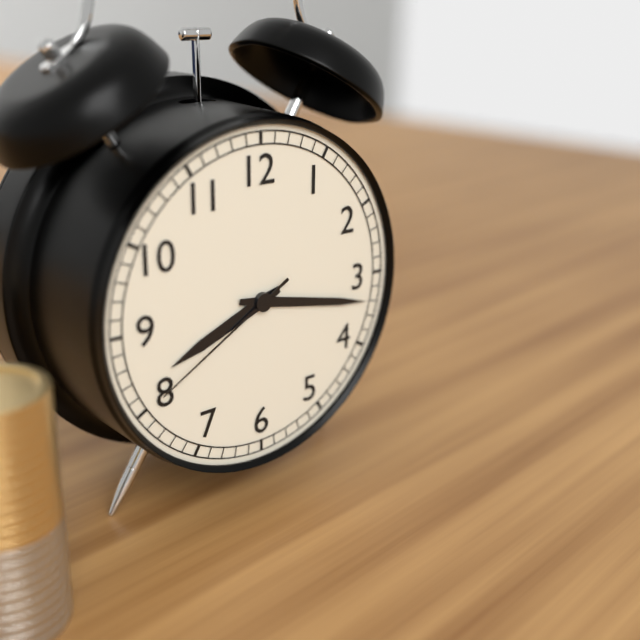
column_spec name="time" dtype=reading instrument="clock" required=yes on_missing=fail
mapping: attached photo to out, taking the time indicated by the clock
8:17:40
